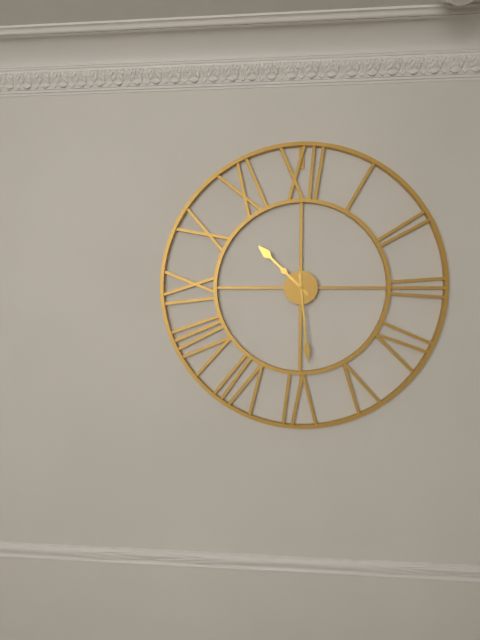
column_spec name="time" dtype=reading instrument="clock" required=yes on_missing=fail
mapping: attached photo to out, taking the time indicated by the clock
10:29
